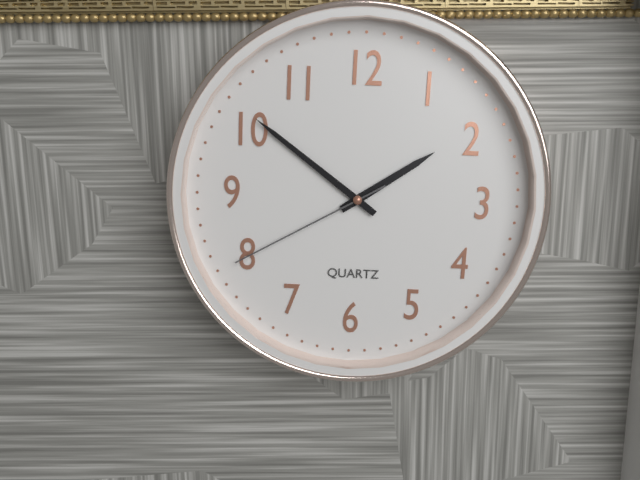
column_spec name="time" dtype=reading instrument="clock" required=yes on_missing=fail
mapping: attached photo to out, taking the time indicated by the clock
1:51:40
